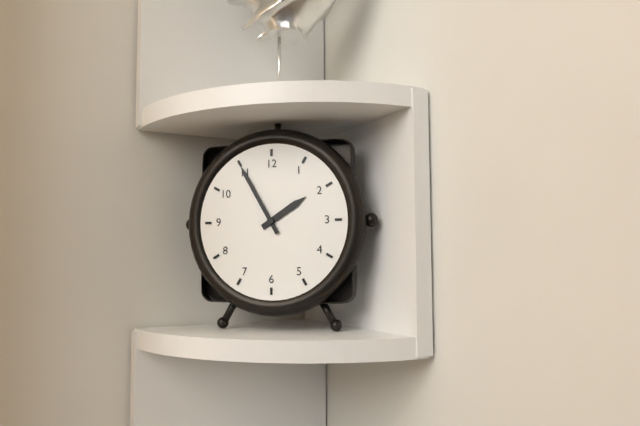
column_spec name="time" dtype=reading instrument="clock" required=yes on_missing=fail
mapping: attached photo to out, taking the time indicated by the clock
1:55
